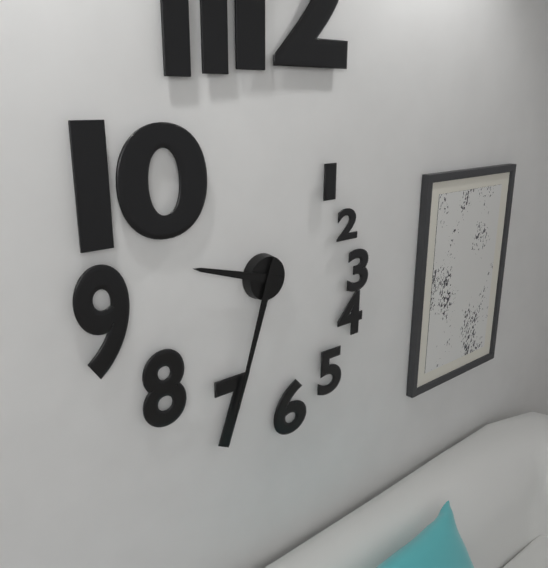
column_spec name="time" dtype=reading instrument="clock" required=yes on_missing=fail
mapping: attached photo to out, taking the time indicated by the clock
9:33
